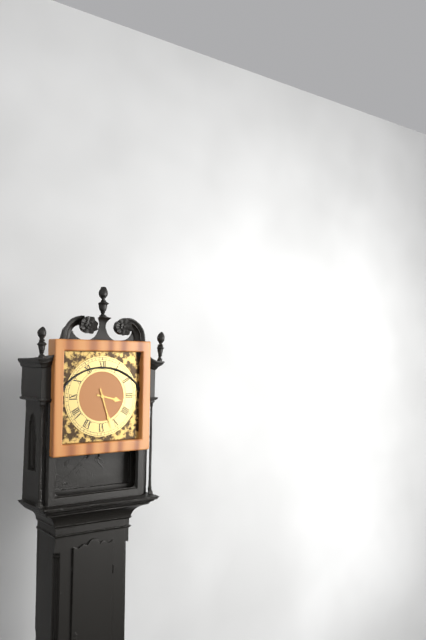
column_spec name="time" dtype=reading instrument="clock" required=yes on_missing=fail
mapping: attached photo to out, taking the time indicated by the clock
3:27
